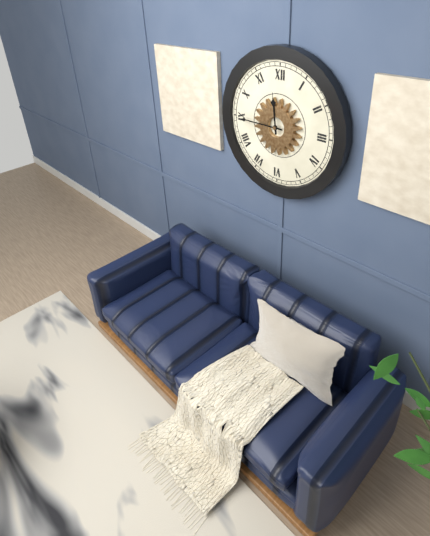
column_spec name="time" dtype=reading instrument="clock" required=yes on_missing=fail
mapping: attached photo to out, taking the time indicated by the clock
11:45
